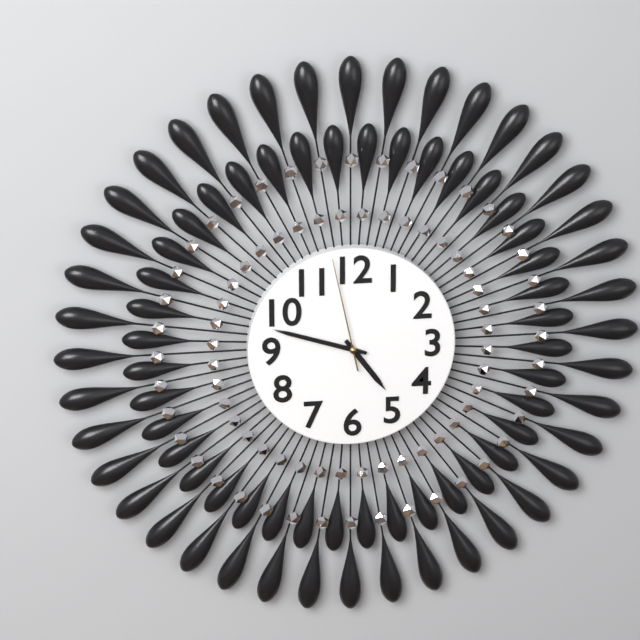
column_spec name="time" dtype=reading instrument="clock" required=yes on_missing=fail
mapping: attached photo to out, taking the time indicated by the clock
4:48:58
